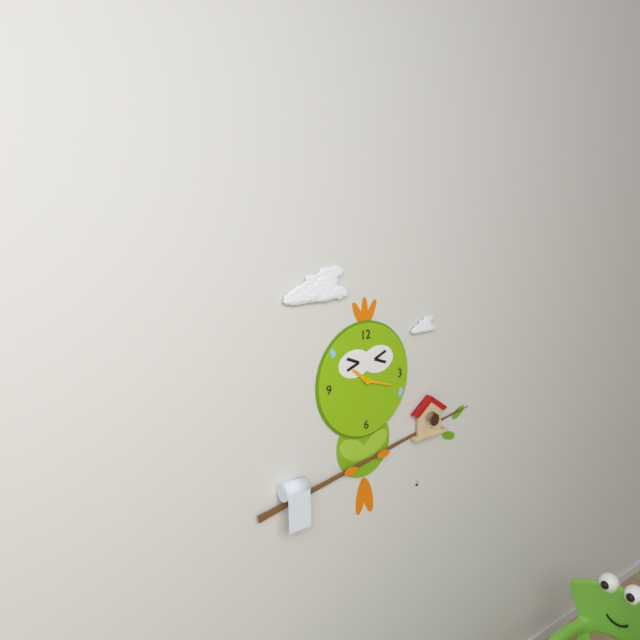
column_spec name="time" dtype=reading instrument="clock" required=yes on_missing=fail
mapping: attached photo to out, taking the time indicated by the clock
10:18
